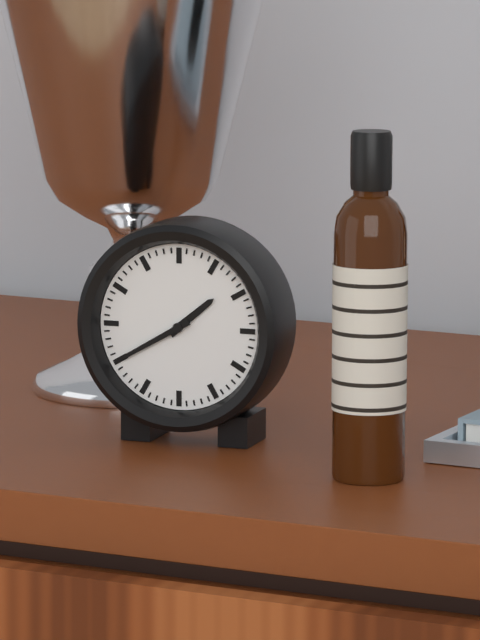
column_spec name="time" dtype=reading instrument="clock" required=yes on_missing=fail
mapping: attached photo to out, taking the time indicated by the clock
1:40
